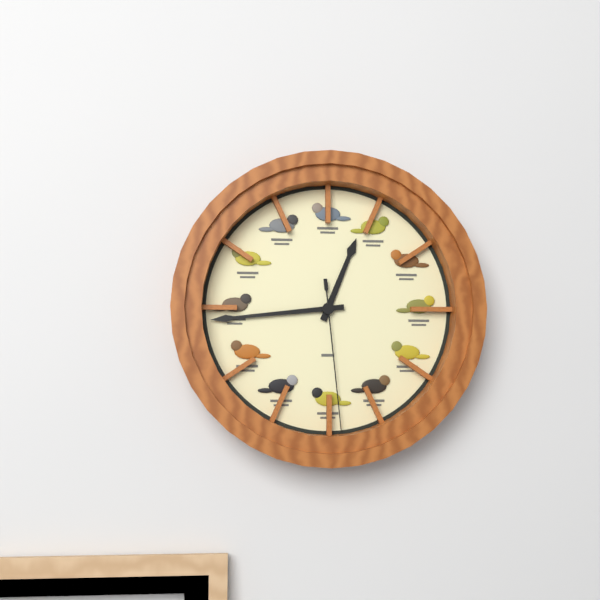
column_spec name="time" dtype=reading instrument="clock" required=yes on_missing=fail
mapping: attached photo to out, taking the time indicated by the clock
12:44:29
